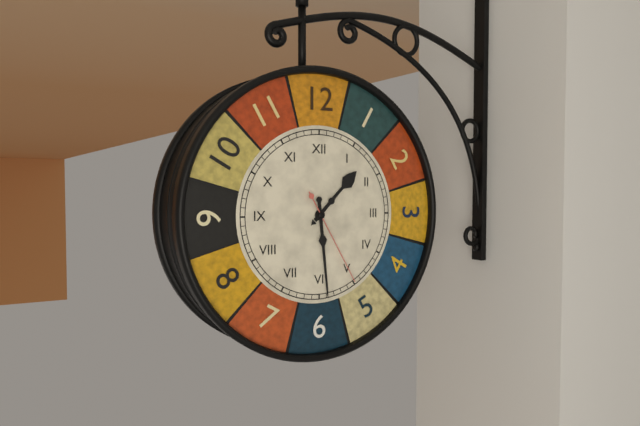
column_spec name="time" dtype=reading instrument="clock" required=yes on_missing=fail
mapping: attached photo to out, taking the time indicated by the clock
1:29:25
